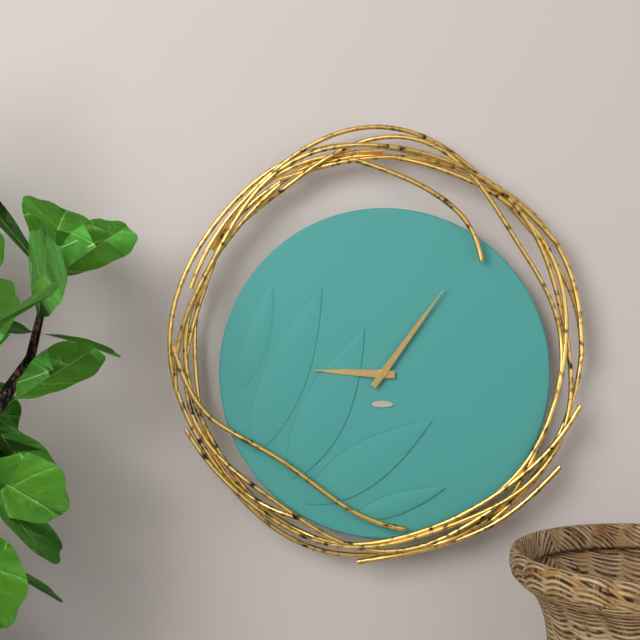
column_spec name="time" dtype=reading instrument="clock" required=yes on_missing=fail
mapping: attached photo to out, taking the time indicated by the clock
9:06
